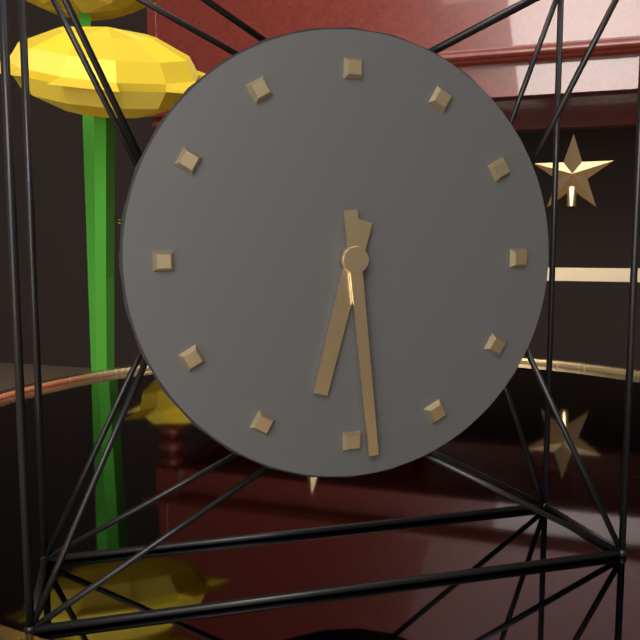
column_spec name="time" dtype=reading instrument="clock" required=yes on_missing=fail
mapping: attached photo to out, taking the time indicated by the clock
6:29
